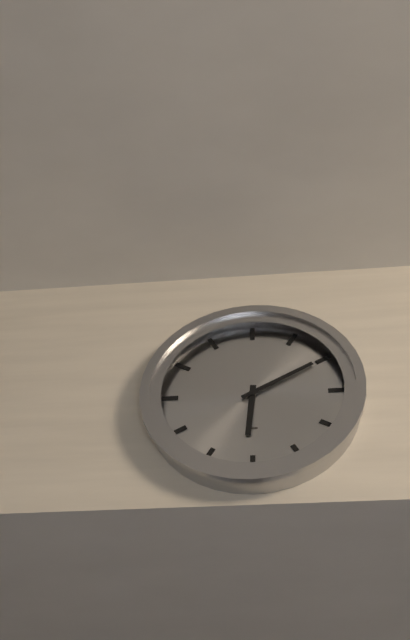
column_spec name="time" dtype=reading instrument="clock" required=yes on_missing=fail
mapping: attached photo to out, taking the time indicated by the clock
6:10
